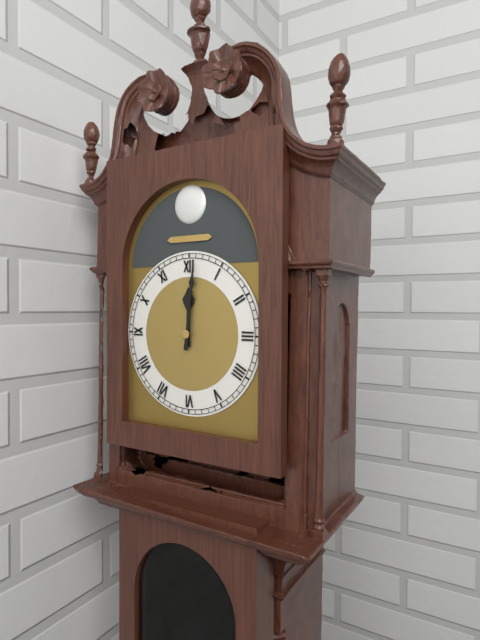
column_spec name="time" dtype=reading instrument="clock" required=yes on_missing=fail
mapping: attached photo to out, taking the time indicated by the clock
12:01
